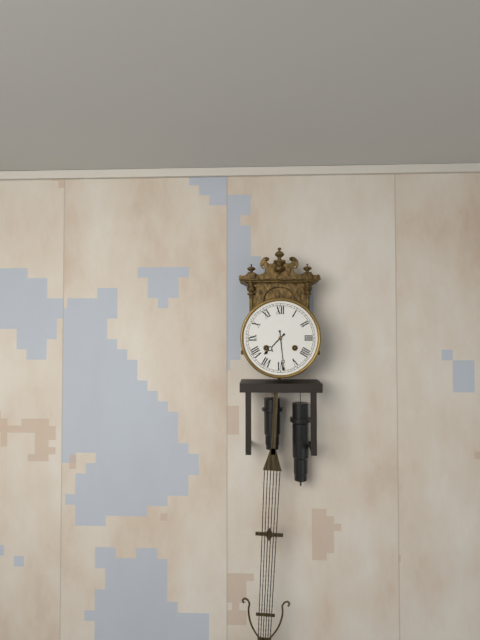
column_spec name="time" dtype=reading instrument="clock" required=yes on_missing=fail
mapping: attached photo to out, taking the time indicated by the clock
7:29
